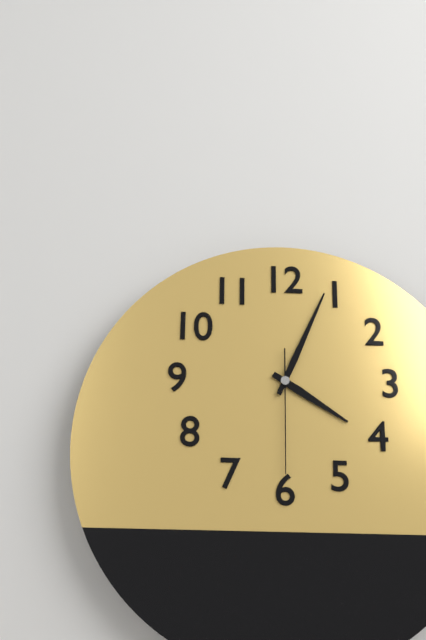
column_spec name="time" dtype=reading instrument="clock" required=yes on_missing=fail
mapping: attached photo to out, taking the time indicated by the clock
4:04:30
